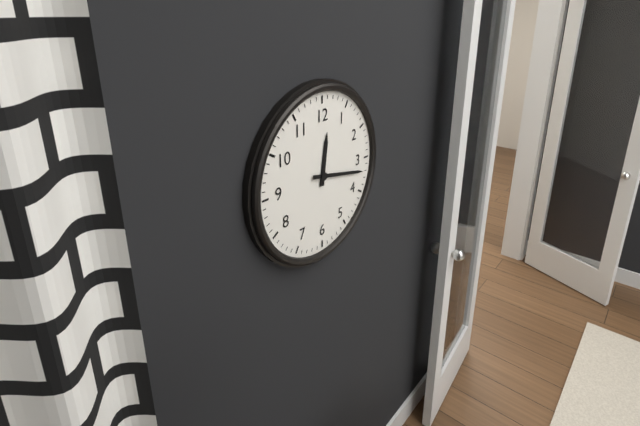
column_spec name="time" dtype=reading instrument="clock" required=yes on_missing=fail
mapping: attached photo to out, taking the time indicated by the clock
12:17
